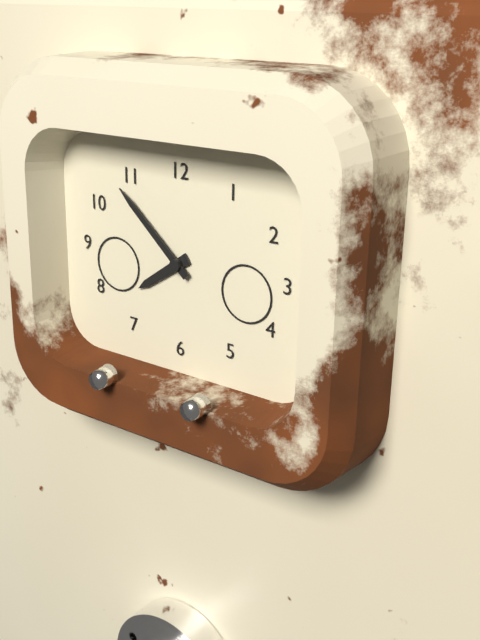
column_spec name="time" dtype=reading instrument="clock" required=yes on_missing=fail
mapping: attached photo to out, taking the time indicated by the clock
7:52
